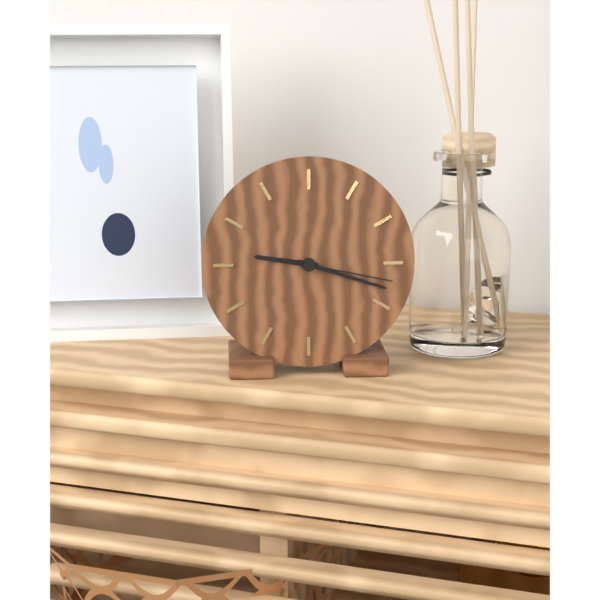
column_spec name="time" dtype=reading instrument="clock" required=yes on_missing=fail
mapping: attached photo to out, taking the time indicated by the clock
9:18:17
